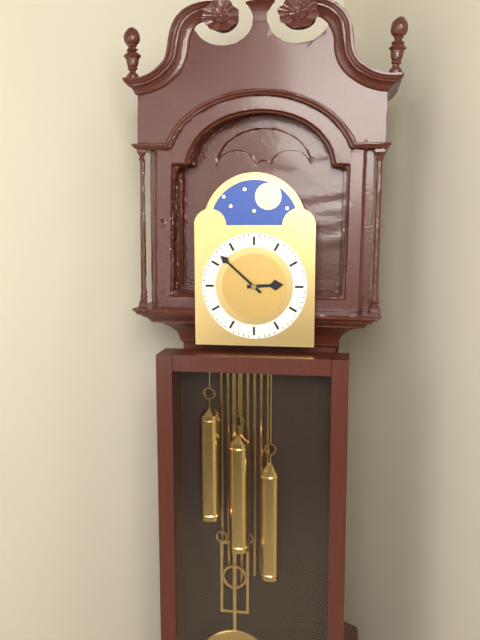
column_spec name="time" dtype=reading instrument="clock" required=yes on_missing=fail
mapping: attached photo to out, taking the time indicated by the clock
2:52
